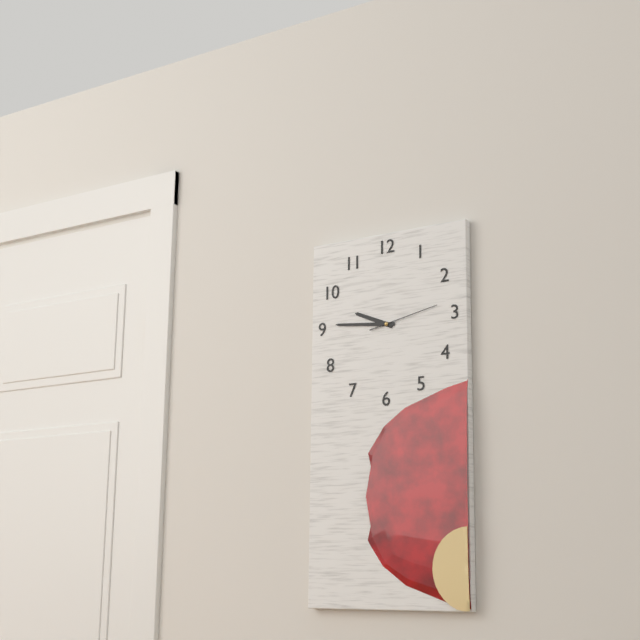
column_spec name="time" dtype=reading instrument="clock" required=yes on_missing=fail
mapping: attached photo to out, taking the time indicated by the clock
9:46:13
